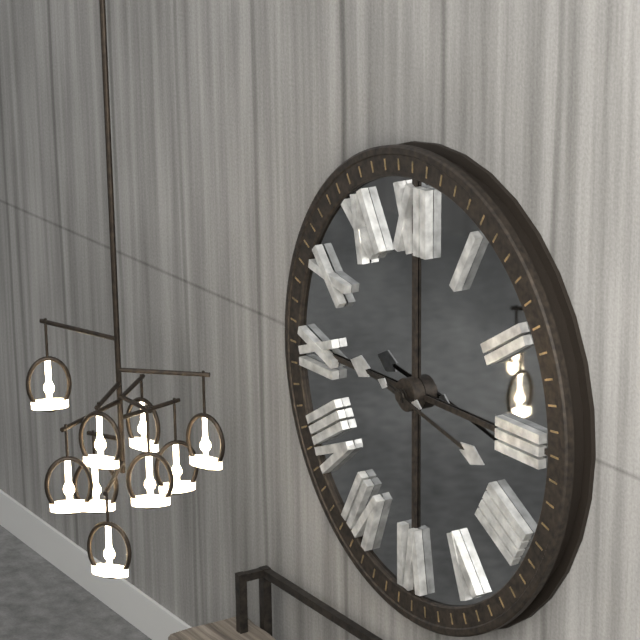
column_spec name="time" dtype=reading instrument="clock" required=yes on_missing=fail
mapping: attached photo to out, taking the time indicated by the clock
9:17
